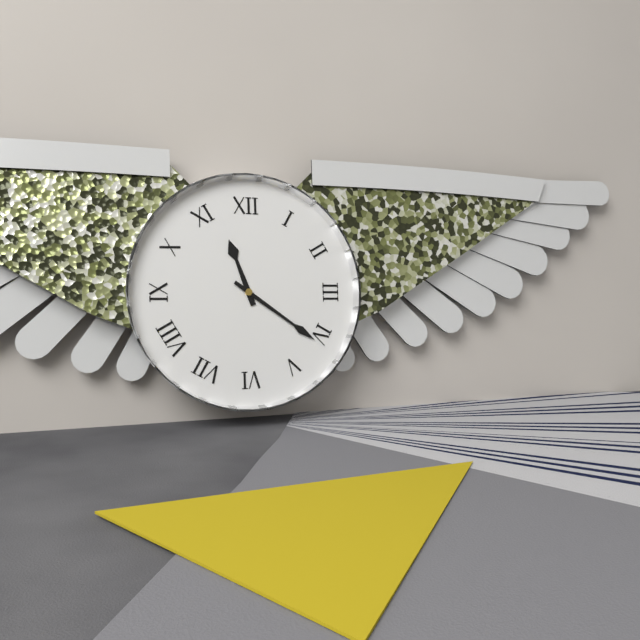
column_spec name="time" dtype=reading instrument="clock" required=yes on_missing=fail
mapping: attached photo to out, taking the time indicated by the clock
11:21
